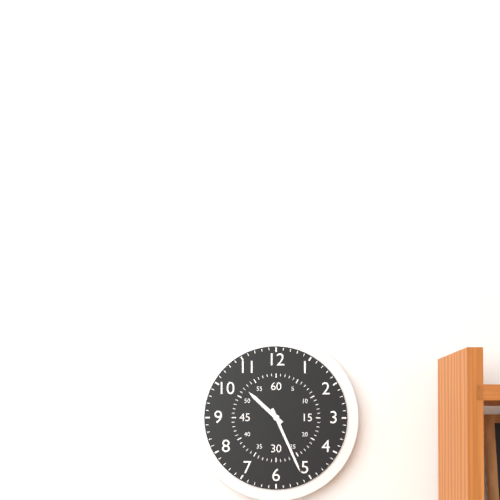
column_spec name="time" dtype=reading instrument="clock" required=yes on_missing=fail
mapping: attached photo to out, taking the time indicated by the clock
10:26
